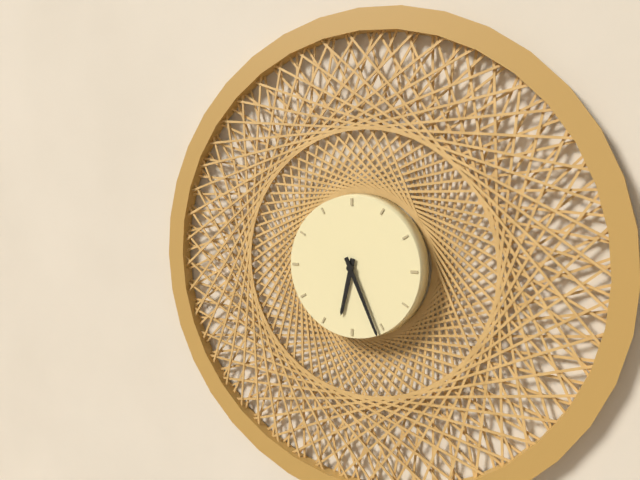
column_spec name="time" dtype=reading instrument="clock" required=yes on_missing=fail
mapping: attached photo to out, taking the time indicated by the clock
6:26
